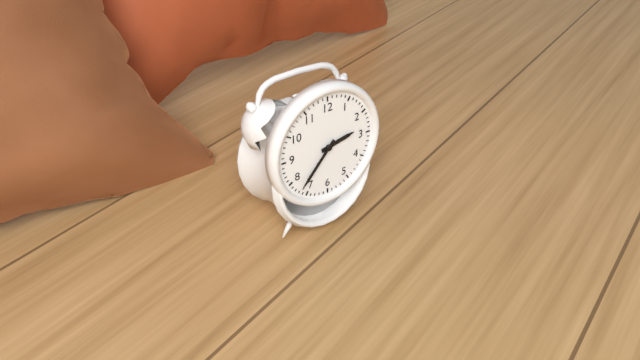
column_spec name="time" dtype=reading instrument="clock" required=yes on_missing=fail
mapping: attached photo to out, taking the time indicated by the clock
2:37
